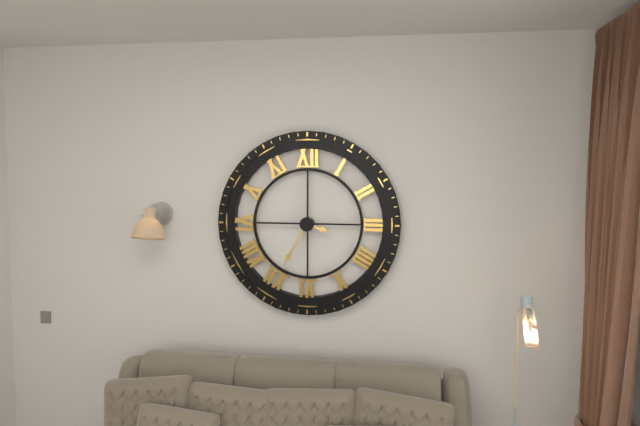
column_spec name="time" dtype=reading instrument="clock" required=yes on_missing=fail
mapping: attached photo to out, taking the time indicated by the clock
3:35
